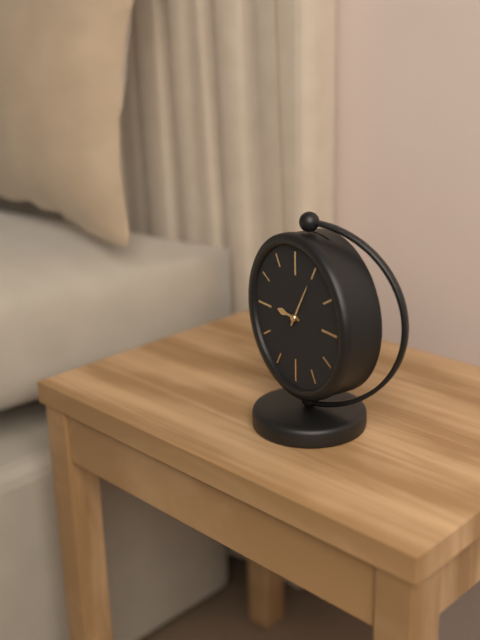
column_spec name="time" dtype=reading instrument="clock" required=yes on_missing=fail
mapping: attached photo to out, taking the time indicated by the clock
9:05
